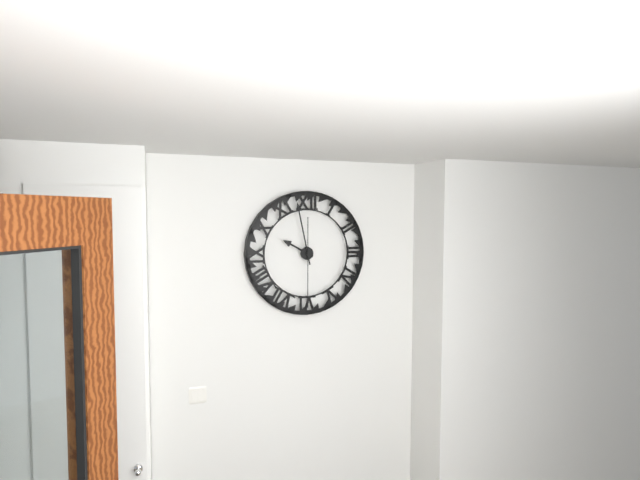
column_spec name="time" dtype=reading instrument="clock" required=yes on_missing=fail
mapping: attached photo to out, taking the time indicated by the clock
9:58:30
